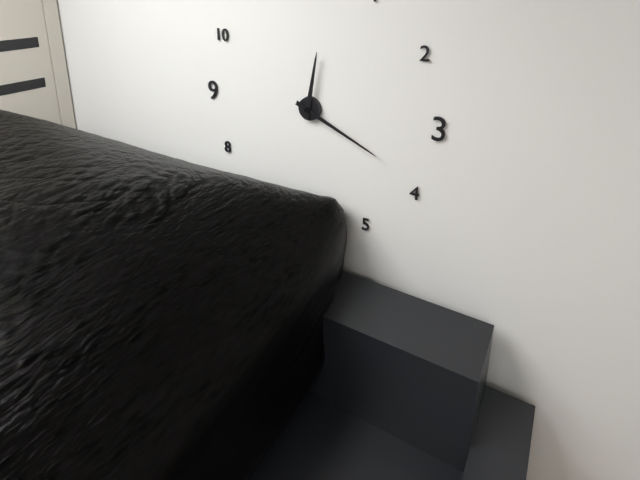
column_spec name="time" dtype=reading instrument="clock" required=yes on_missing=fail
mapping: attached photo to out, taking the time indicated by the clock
12:19
